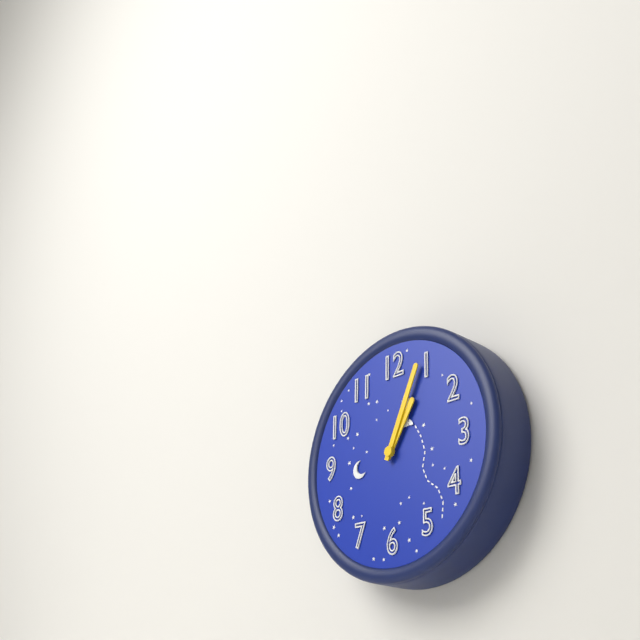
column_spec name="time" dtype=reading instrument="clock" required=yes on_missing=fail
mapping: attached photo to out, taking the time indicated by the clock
1:04
